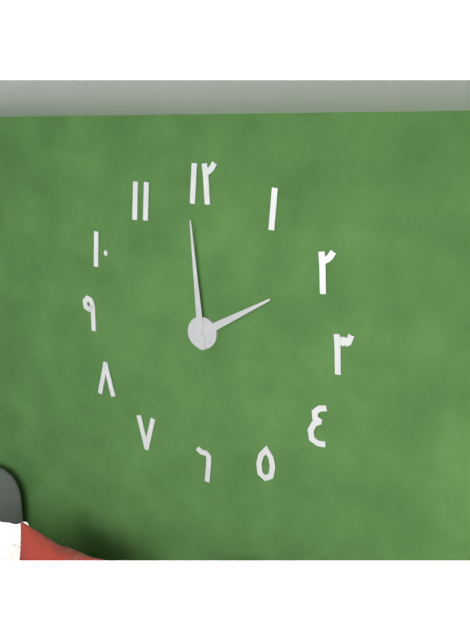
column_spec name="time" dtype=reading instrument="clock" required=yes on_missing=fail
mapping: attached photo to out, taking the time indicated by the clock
1:59
